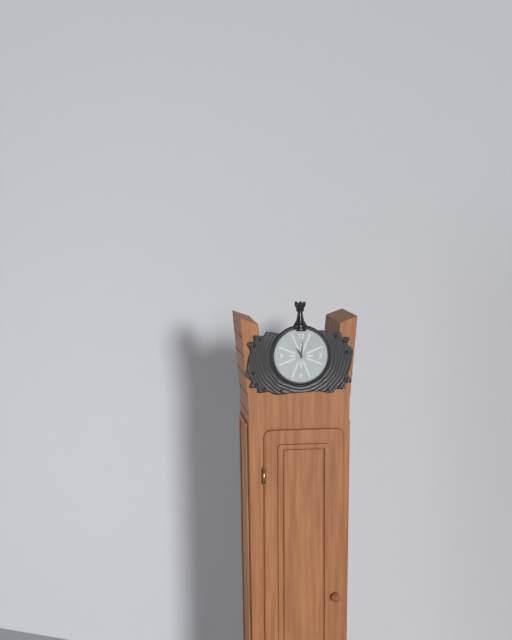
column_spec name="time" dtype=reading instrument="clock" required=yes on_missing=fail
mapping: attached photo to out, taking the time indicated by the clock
11:01
